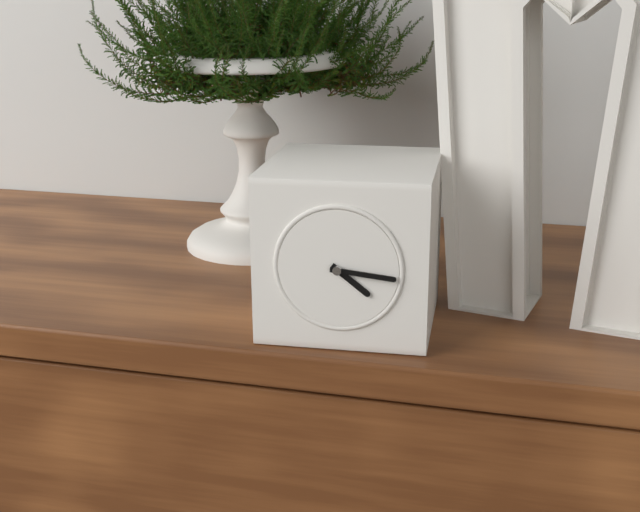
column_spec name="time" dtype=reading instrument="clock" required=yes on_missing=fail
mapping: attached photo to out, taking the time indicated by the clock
4:16
